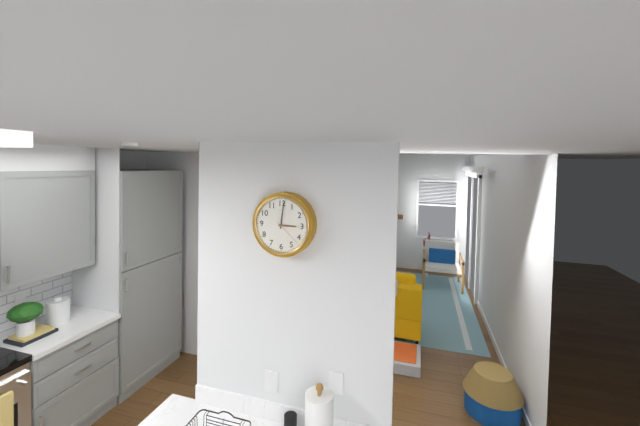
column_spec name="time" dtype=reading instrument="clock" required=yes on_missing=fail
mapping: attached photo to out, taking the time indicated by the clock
3:01
